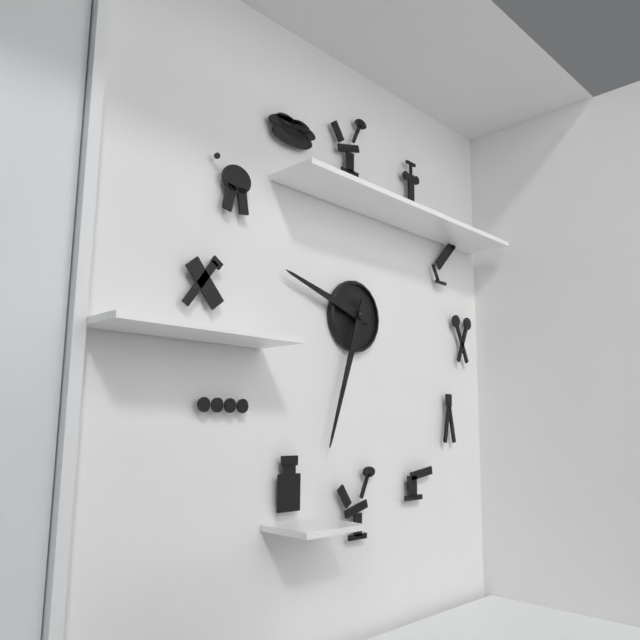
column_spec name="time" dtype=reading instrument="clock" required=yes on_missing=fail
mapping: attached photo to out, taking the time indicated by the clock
9:33
